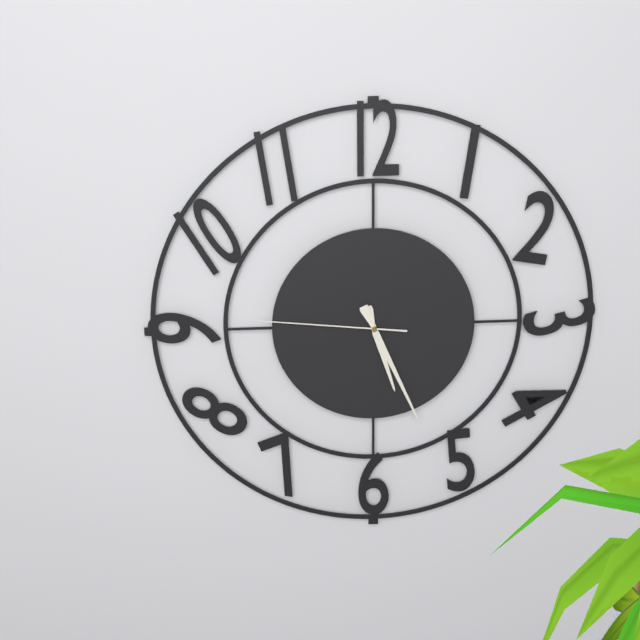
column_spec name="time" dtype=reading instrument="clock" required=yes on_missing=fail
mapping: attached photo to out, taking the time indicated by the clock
5:26:46
